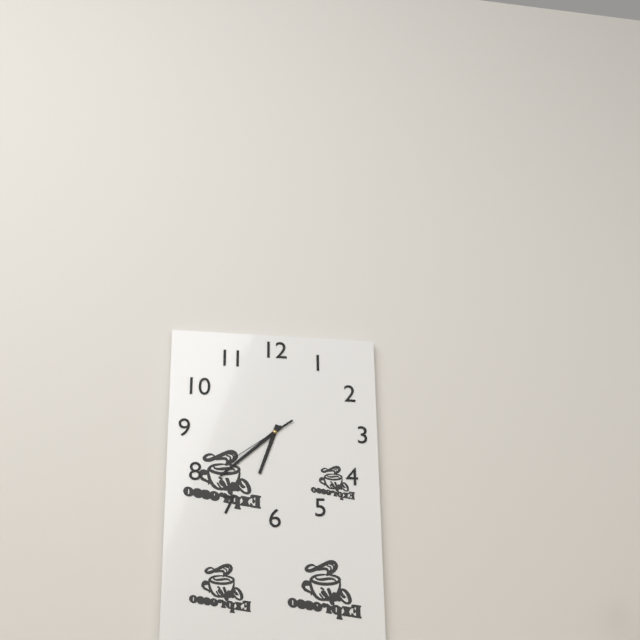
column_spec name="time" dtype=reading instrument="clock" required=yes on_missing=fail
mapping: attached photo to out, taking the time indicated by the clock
6:38:39
